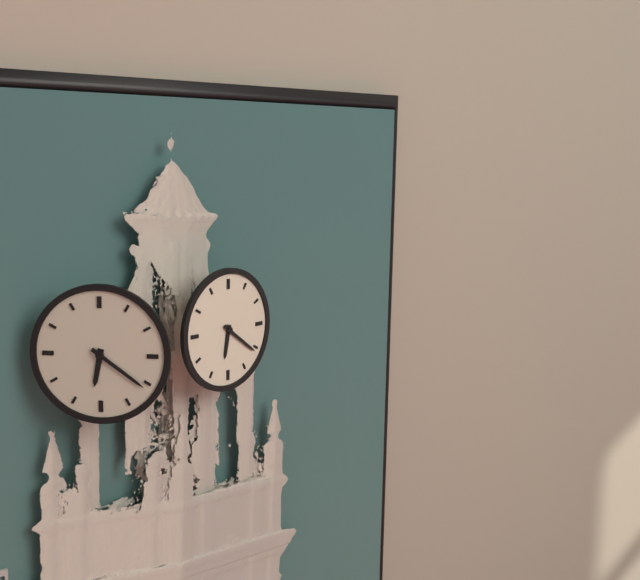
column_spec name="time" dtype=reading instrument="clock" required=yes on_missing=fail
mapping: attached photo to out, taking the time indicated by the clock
6:21
